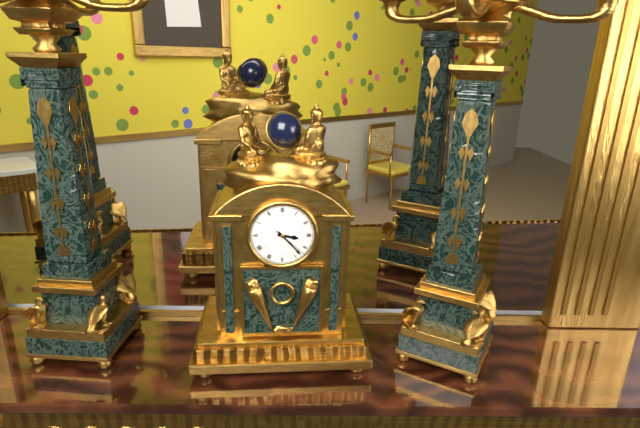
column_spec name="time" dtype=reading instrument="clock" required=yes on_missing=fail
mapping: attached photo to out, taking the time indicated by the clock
3:23
